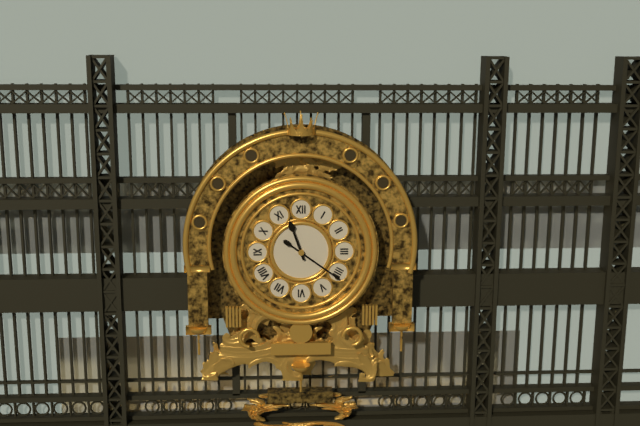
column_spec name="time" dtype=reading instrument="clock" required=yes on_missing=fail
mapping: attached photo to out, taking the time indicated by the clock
11:21
